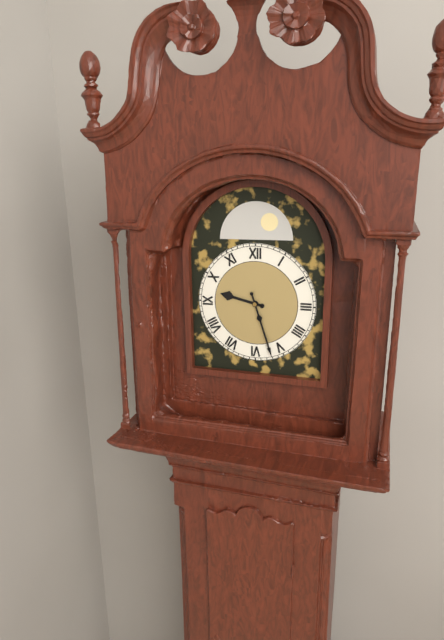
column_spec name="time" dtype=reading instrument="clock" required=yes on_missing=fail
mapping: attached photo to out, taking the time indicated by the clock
9:27
